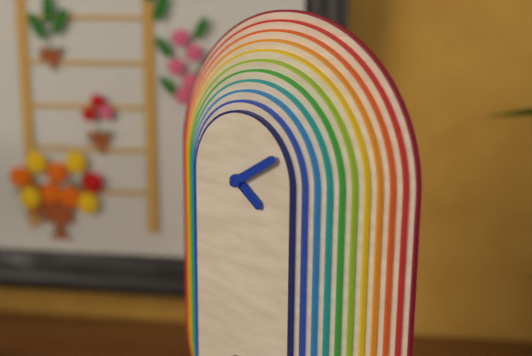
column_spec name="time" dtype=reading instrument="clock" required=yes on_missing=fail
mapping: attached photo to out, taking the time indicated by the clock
4:10
